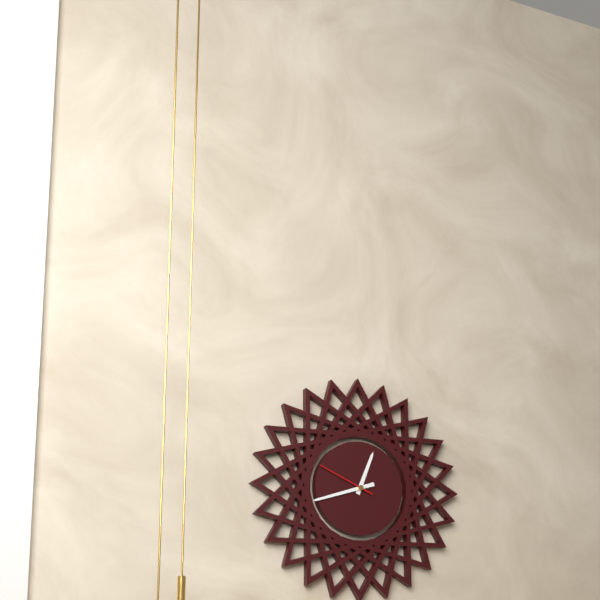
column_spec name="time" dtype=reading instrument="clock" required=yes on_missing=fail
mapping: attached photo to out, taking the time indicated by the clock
12:42:49
